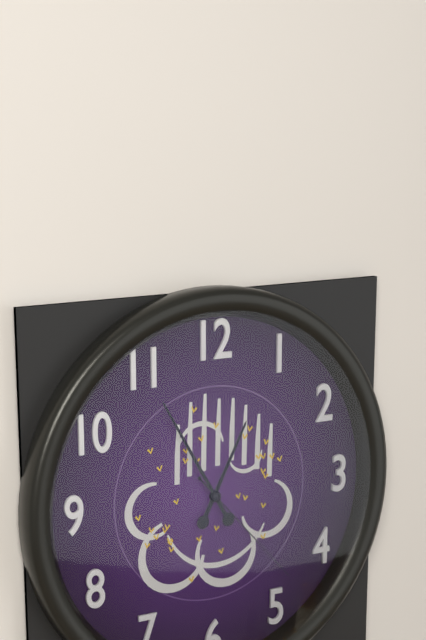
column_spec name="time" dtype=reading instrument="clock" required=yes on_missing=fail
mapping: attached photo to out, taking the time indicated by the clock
12:55:23
